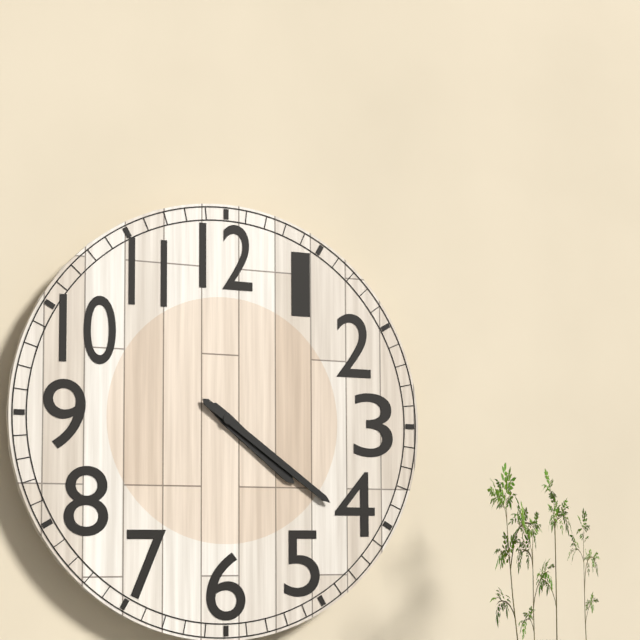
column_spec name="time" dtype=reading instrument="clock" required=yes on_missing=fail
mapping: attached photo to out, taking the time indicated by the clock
4:21
